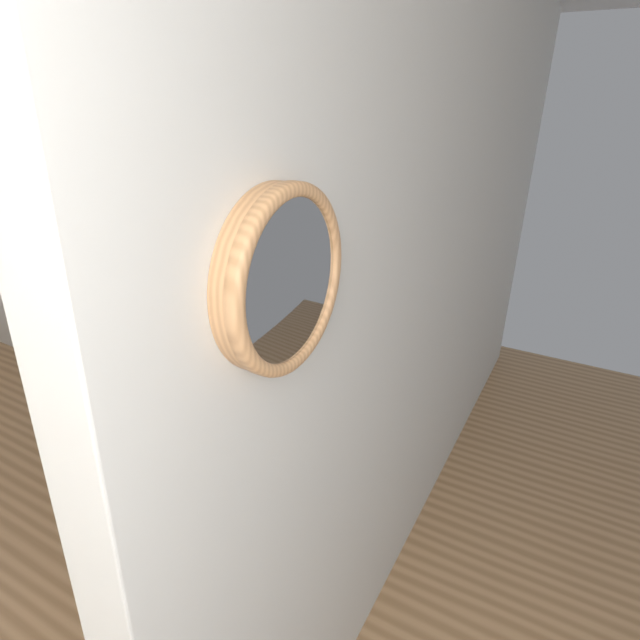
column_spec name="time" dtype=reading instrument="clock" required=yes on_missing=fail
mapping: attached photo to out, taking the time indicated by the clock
7:13
